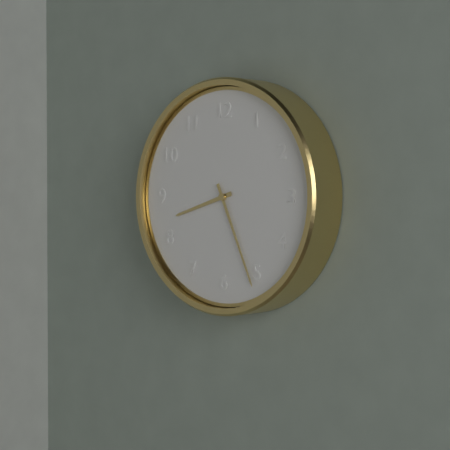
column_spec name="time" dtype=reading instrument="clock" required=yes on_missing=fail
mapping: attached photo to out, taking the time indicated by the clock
8:26
